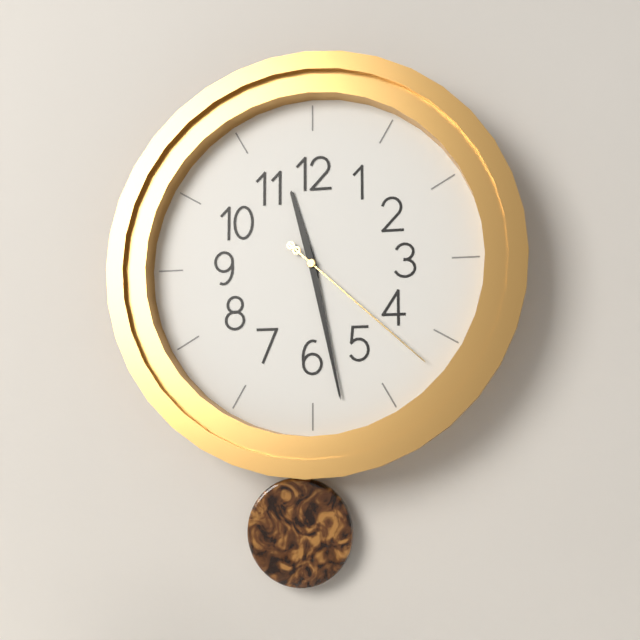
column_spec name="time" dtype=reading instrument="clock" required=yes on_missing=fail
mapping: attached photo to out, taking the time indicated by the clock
11:28:22
